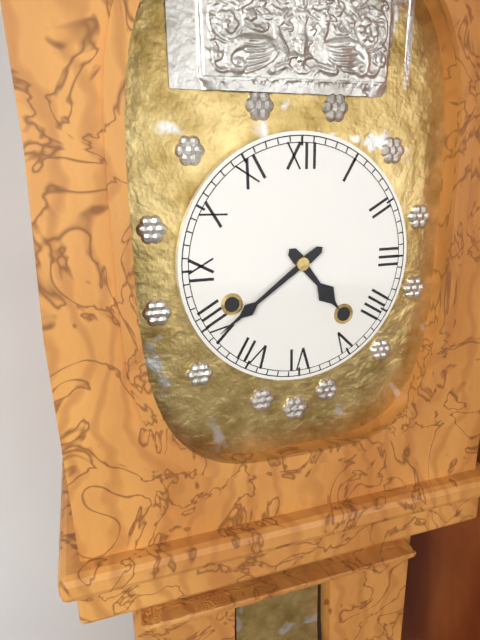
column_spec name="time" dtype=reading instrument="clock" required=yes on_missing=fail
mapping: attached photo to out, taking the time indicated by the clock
4:39
